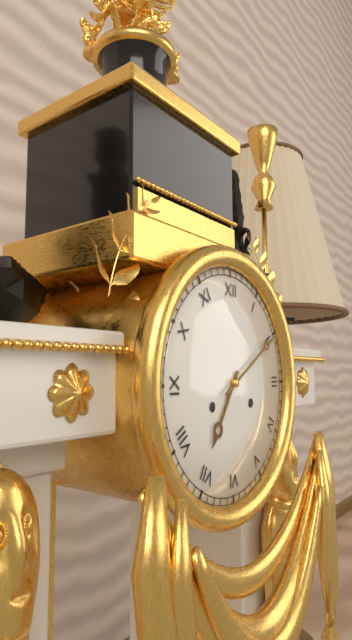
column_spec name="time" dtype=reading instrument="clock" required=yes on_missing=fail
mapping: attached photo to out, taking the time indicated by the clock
7:10
